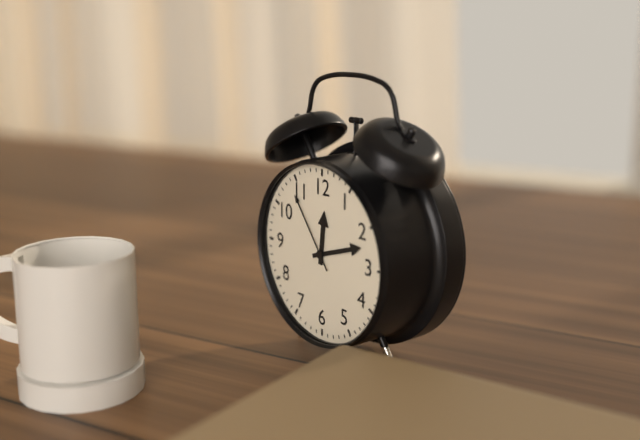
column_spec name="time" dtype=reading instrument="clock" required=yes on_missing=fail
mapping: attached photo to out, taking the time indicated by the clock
12:12:54
